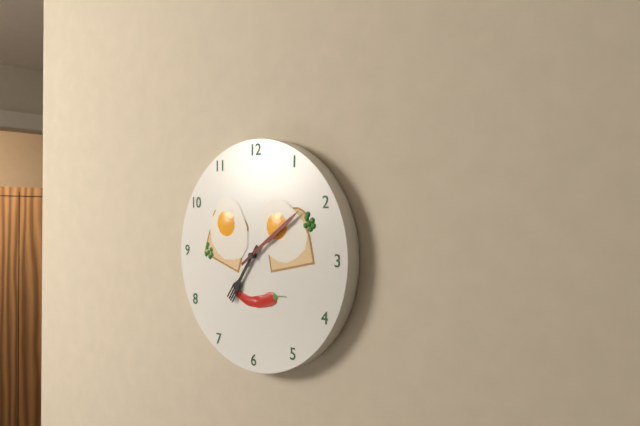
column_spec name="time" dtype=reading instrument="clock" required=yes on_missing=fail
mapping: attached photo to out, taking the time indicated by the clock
7:09
